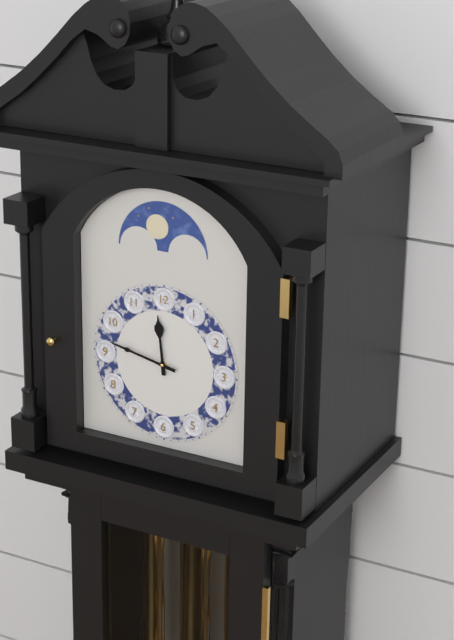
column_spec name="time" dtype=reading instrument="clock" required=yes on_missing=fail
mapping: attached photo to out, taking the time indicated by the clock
11:47
